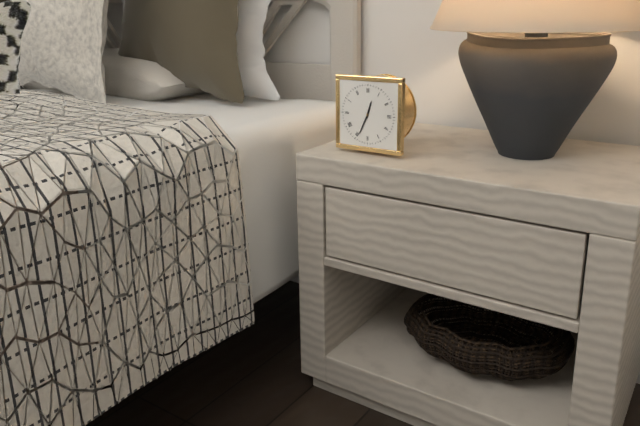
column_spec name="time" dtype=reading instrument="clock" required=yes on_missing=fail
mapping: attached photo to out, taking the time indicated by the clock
12:34
